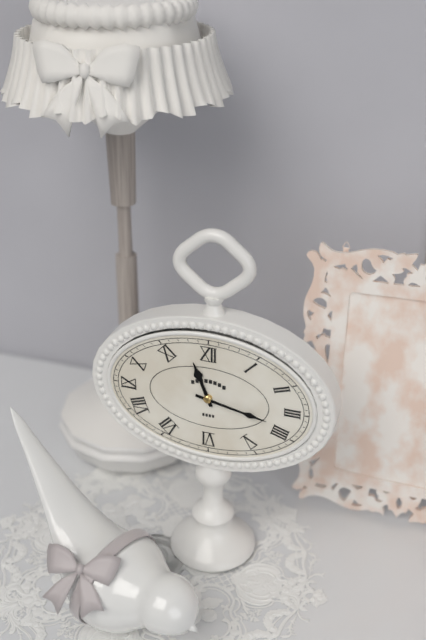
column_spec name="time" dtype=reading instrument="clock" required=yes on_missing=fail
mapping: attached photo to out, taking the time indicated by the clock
11:17
